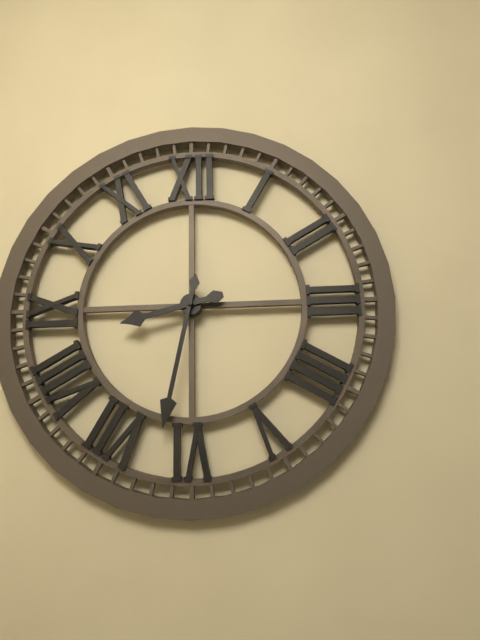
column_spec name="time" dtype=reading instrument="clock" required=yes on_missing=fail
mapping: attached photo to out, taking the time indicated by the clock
8:32
